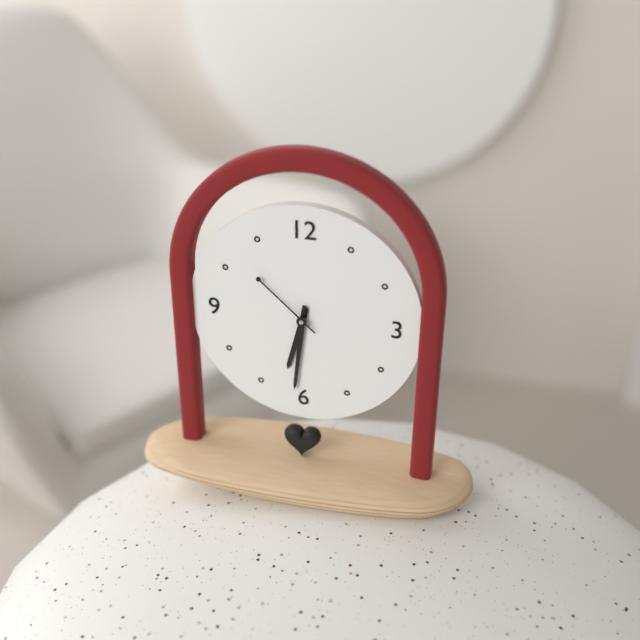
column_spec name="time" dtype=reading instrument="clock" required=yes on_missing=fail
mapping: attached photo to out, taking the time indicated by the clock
6:31:52
